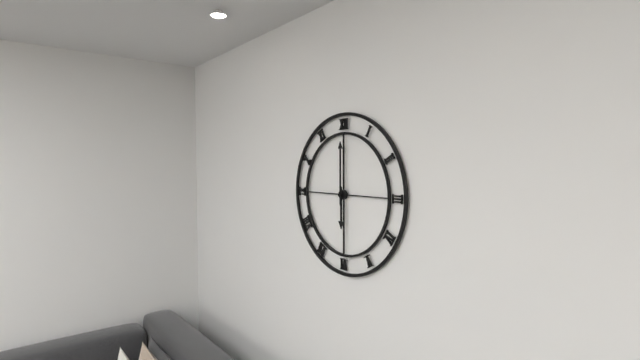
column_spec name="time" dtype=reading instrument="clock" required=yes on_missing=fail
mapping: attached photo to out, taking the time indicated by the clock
6:00
